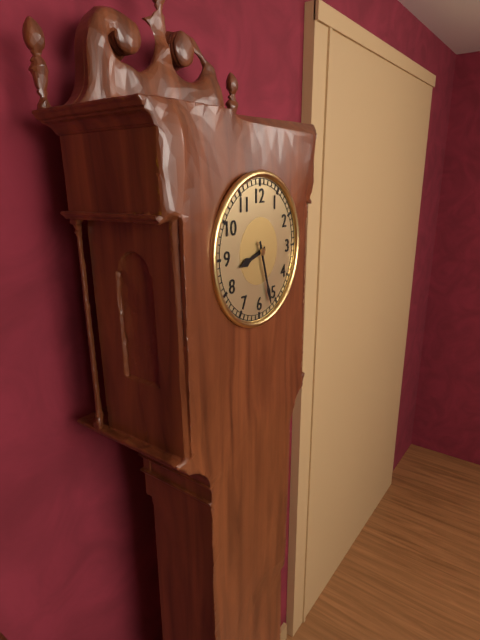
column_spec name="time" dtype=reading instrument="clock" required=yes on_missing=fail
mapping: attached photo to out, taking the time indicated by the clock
8:27
